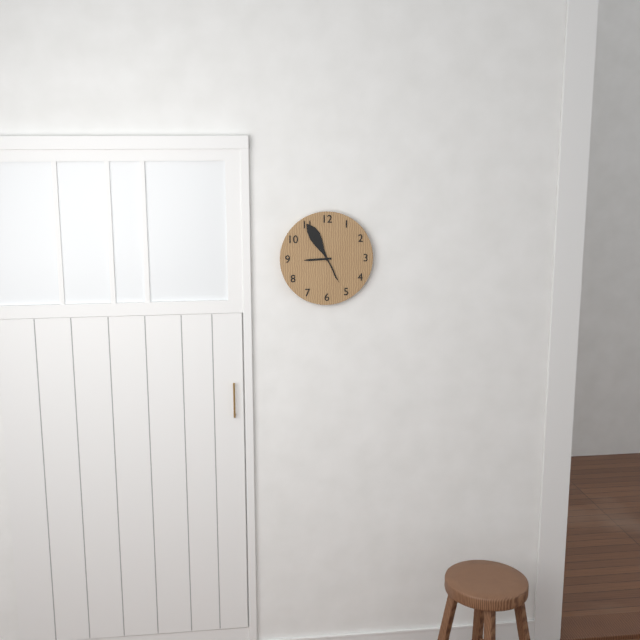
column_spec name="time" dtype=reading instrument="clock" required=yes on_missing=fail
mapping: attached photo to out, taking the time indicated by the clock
8:55
